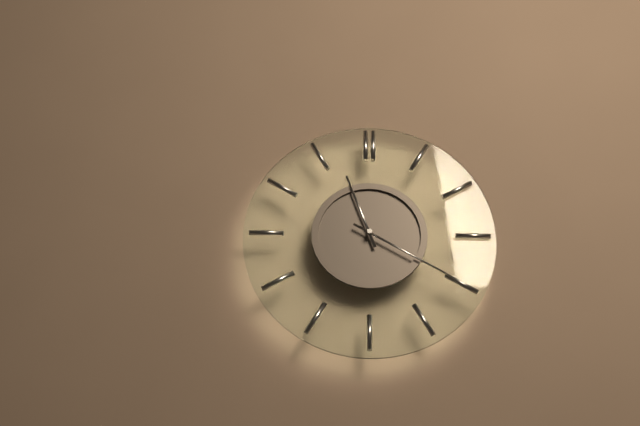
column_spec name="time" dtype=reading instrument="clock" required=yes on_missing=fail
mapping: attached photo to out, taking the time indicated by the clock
11:20
